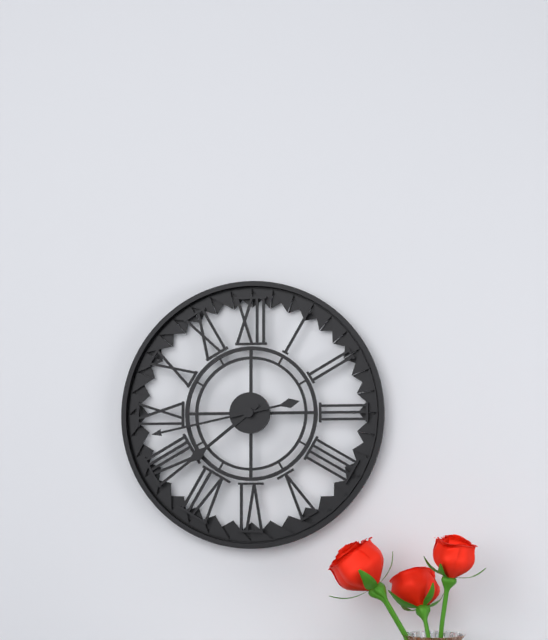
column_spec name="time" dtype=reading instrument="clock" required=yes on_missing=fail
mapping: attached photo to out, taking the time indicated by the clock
7:43
